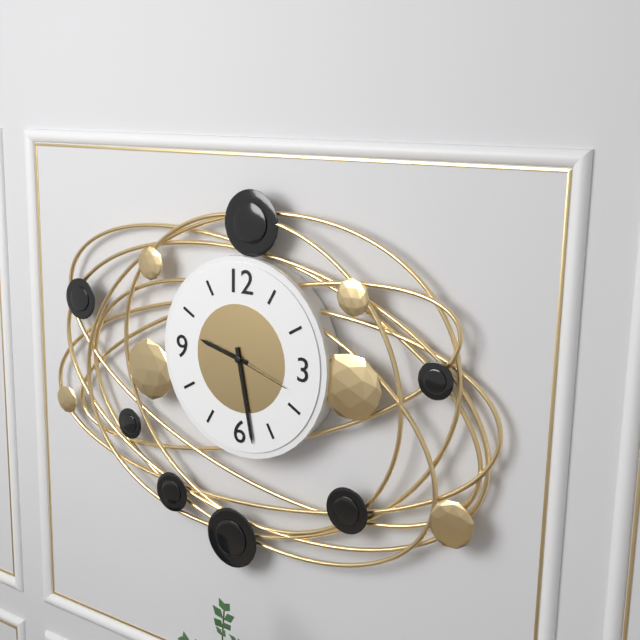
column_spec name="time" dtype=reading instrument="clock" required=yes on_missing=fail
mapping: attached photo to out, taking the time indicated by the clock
9:28:18
